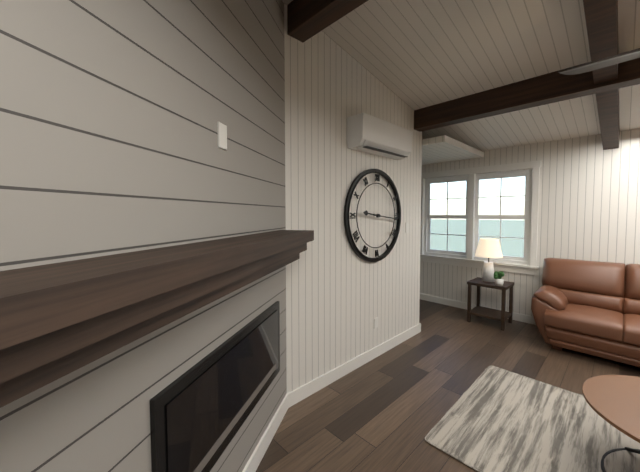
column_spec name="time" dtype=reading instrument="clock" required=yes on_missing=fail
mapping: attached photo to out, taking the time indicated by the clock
9:16
